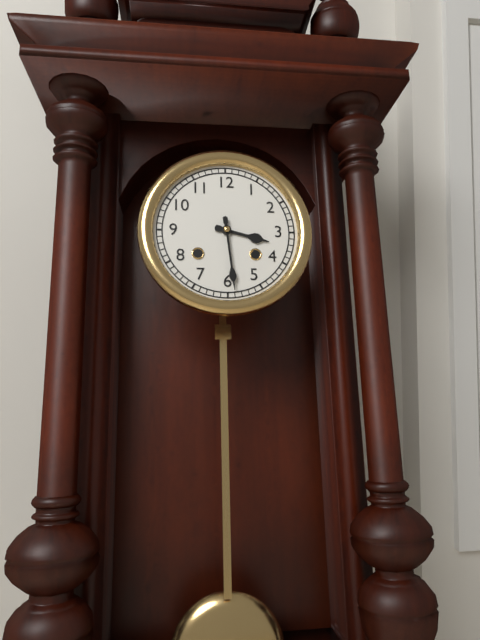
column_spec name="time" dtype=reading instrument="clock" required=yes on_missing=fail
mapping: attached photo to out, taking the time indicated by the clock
3:29
